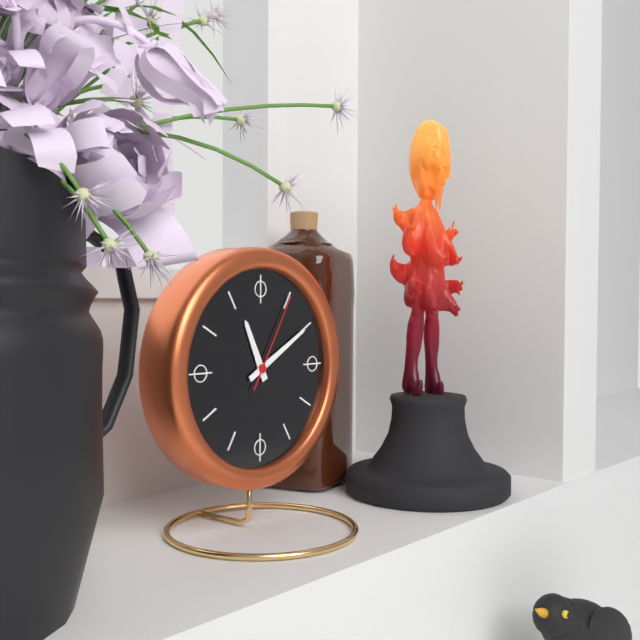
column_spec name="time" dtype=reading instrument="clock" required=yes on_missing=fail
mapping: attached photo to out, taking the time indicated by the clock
11:10:05
